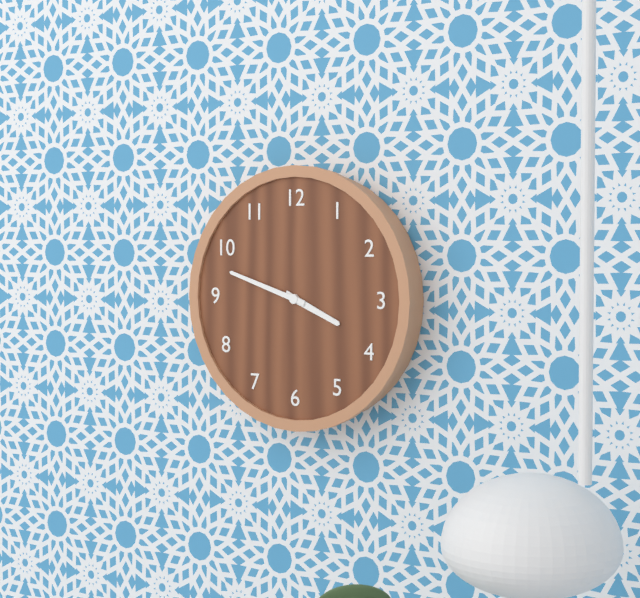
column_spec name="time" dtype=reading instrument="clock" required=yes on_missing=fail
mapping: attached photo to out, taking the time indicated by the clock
3:48
